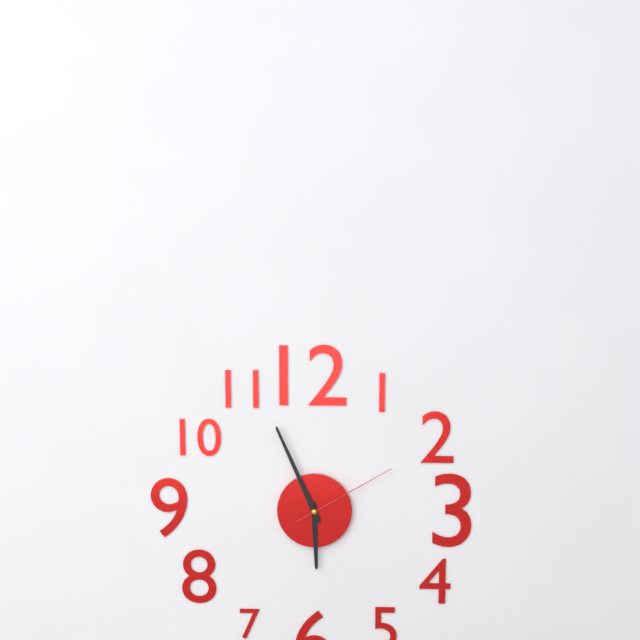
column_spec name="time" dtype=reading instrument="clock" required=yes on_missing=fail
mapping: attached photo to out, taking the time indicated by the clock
5:56:10
